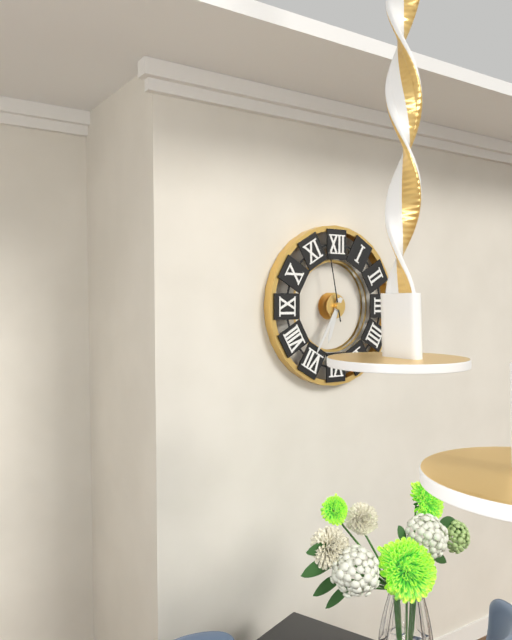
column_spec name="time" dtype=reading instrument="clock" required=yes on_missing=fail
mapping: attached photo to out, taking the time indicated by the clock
6:35:58
